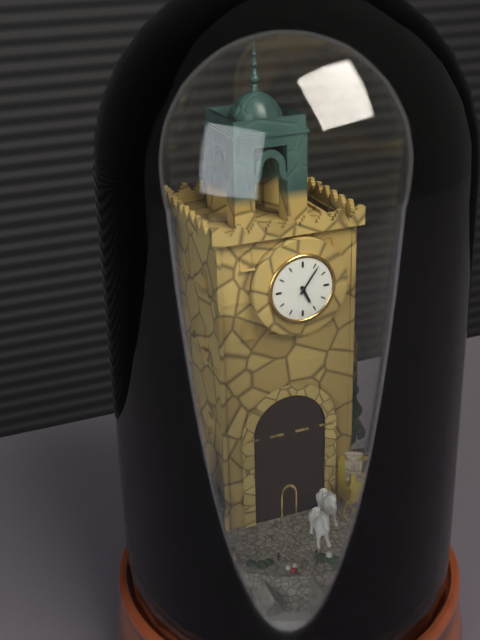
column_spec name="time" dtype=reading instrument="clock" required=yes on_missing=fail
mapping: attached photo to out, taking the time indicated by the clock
5:06
